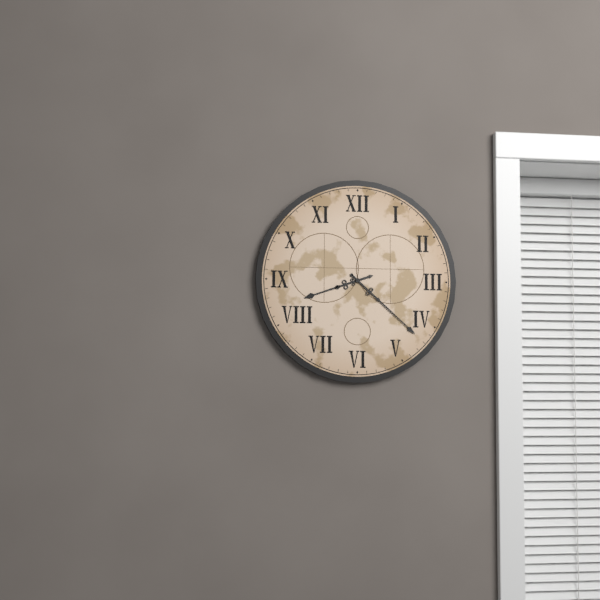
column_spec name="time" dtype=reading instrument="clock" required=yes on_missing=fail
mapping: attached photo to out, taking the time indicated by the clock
8:22
